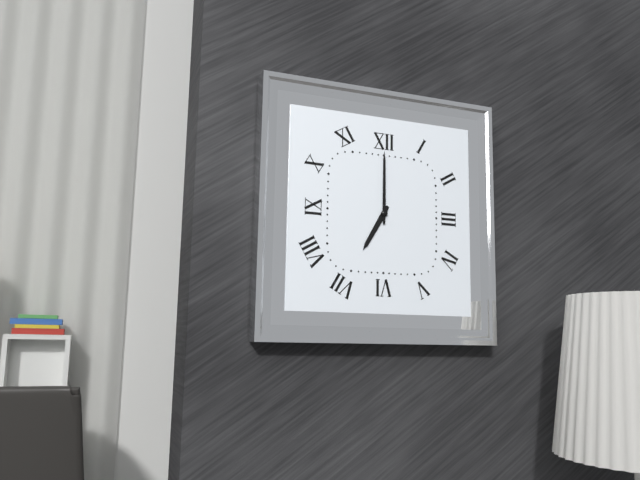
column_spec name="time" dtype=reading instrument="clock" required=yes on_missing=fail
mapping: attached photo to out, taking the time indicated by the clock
7:00
